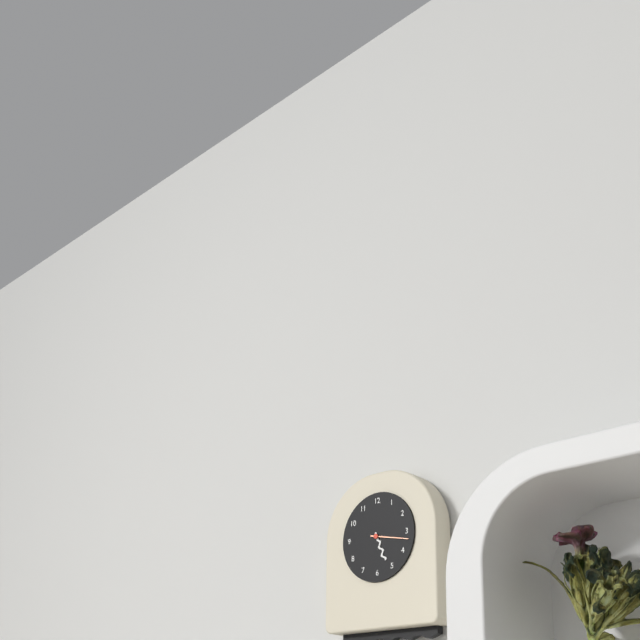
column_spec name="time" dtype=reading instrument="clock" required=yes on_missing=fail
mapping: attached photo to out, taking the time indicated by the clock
5:17
